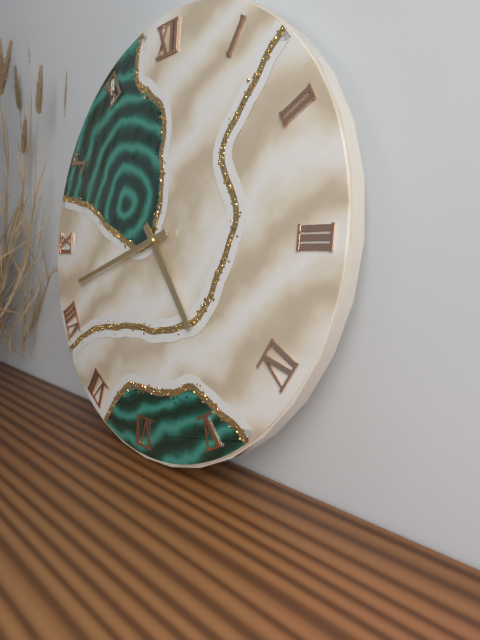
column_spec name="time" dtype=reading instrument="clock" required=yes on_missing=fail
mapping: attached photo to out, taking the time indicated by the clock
4:42
